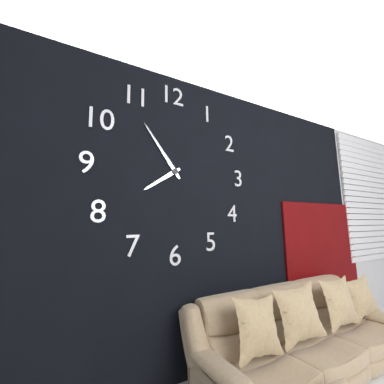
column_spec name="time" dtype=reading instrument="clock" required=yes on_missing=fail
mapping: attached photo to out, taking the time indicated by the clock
7:54
